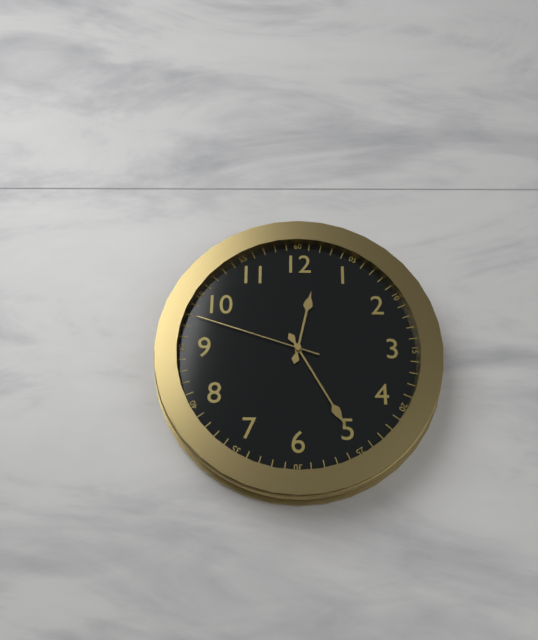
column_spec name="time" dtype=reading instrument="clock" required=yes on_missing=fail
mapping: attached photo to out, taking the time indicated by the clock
12:25:48
